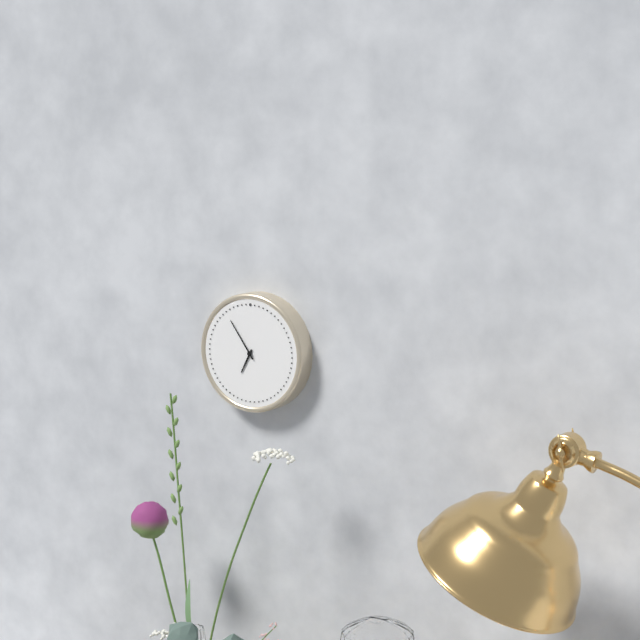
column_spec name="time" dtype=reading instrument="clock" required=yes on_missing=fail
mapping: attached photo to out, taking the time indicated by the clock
6:54
